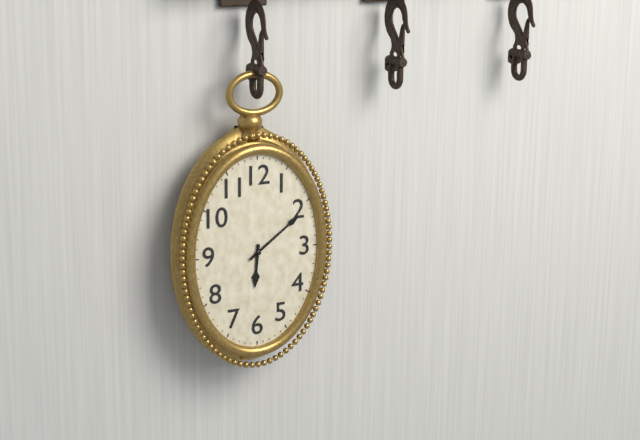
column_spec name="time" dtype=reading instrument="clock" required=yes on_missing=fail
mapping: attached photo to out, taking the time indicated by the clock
6:09
